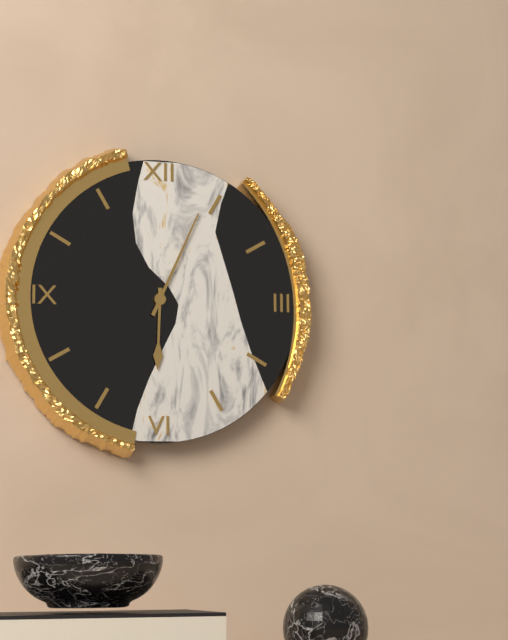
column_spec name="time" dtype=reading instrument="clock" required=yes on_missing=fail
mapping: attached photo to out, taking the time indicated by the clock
6:04
